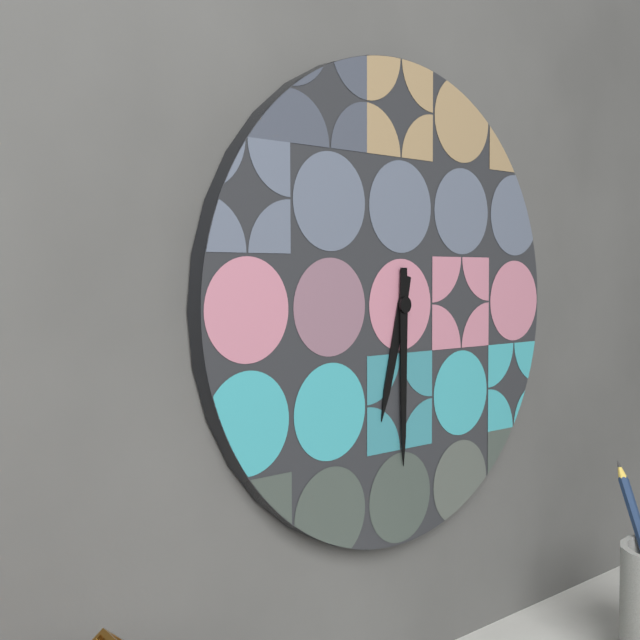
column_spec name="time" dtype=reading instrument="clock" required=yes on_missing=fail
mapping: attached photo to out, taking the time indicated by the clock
6:30
